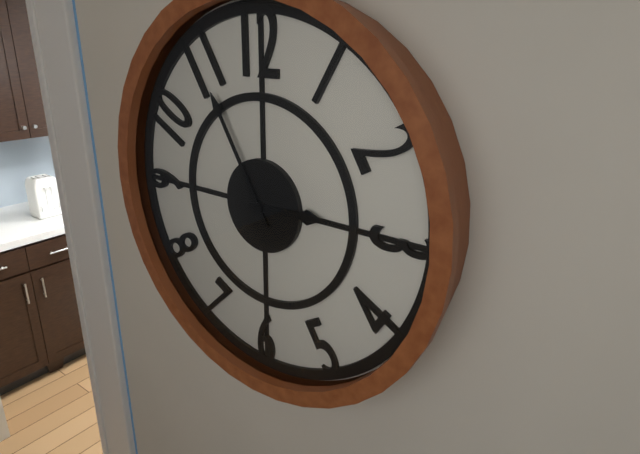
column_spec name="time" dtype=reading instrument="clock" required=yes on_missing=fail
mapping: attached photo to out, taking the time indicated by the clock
2:55
